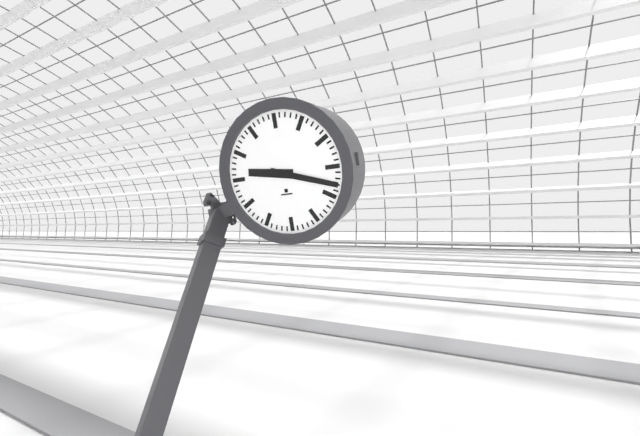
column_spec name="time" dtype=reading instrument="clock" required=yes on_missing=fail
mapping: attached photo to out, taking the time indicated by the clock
9:18
